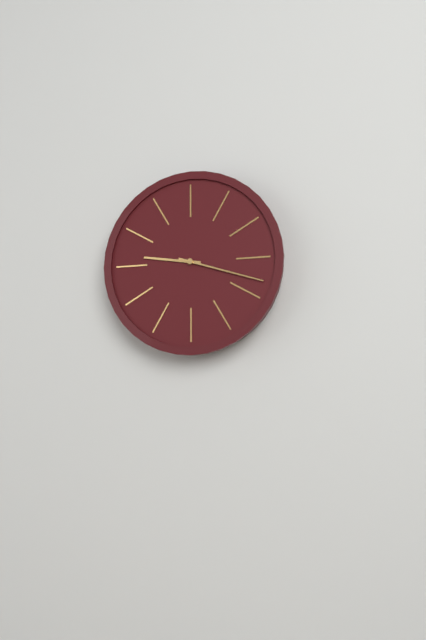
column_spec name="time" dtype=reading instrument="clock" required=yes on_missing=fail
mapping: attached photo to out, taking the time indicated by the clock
9:18
